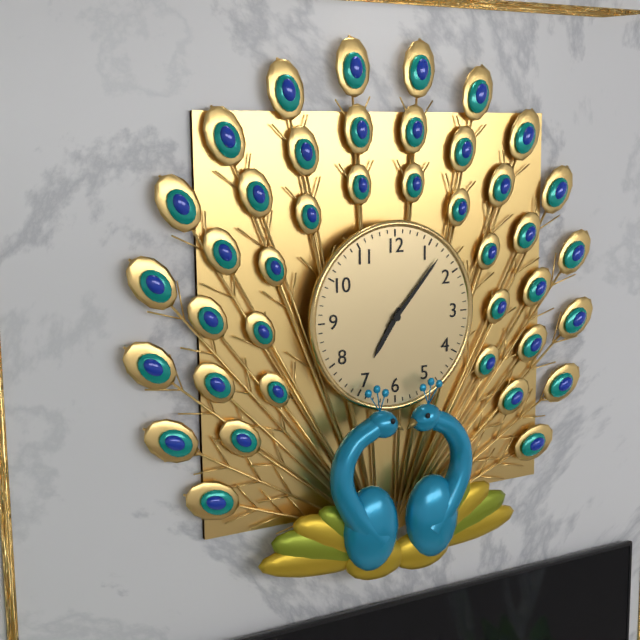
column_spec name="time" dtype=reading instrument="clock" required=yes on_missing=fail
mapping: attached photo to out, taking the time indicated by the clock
7:07
